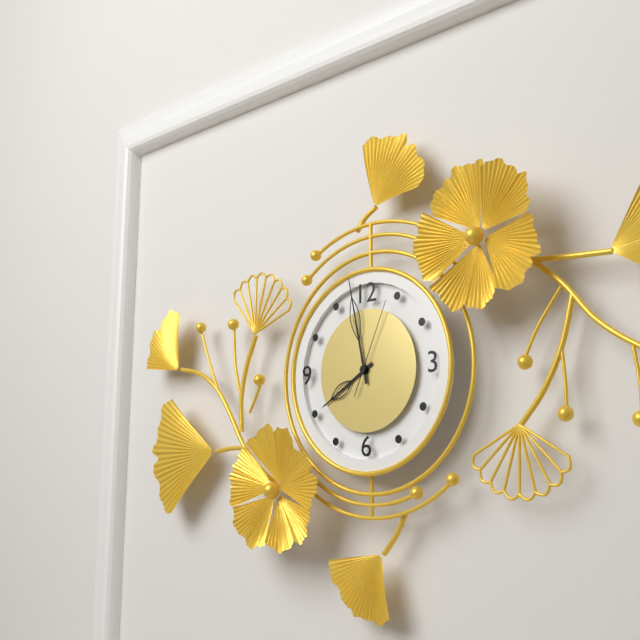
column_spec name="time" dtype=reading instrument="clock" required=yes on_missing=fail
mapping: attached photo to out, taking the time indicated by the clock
7:58:04
